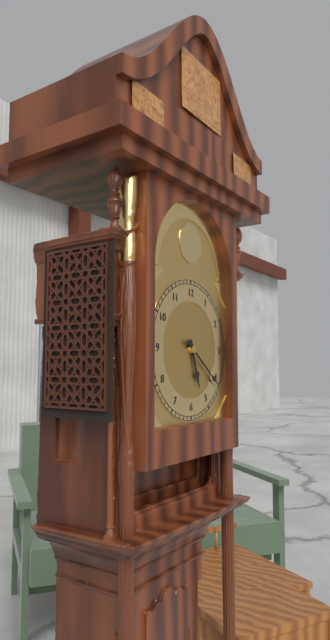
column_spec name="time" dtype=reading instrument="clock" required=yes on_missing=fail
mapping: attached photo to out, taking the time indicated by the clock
5:21
